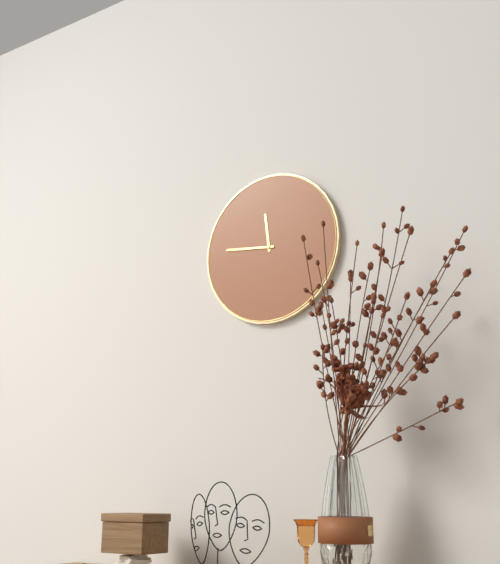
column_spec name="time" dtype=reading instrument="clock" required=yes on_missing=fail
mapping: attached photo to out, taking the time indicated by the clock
11:46
